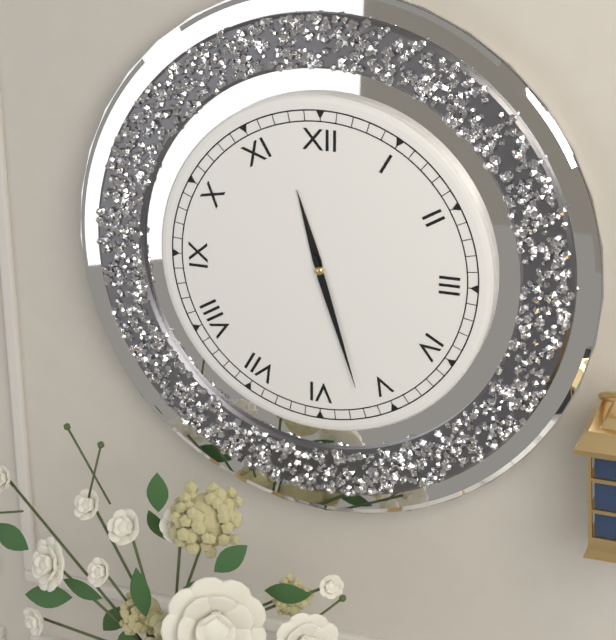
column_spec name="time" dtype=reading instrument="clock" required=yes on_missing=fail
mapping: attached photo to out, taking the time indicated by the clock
11:27
